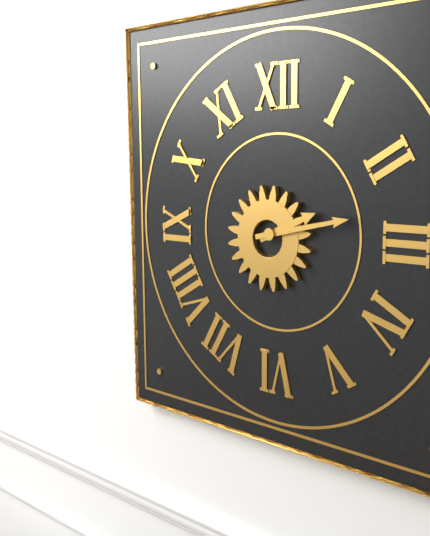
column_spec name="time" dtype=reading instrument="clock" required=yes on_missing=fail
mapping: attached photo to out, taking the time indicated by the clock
2:13
